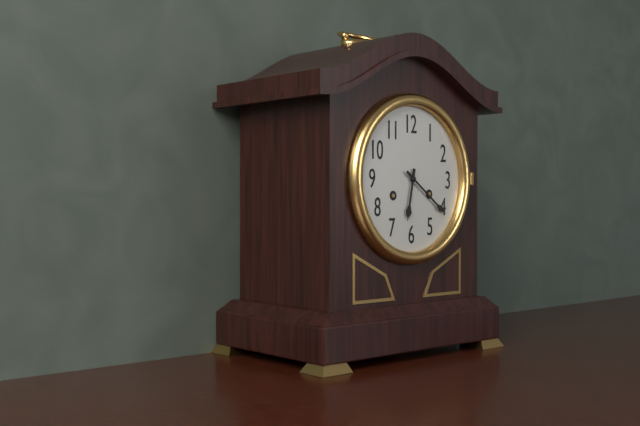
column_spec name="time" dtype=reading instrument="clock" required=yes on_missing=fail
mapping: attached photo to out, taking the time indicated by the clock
6:21
